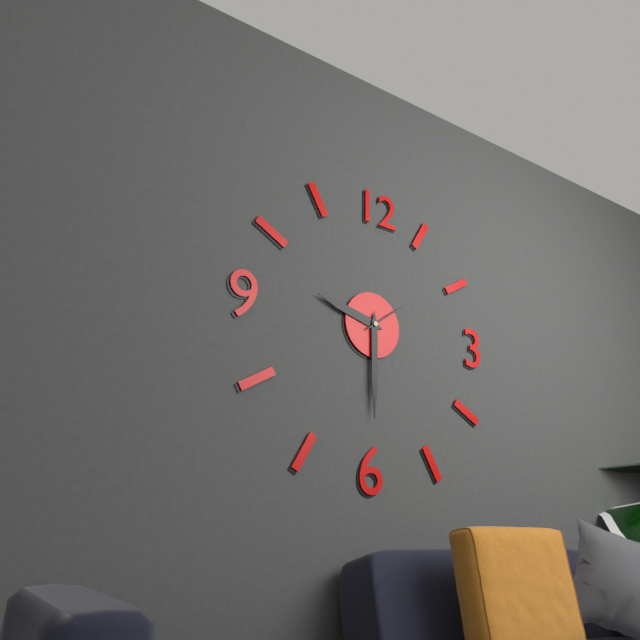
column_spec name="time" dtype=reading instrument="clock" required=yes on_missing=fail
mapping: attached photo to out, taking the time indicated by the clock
9:30
